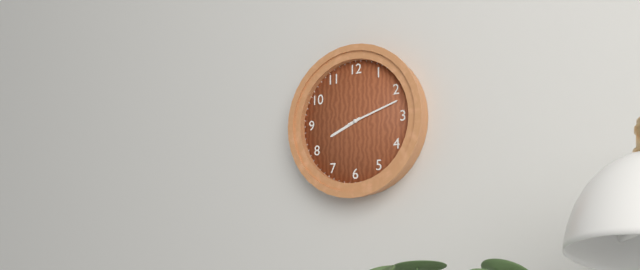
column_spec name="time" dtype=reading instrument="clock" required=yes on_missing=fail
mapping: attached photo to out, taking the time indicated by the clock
8:12
